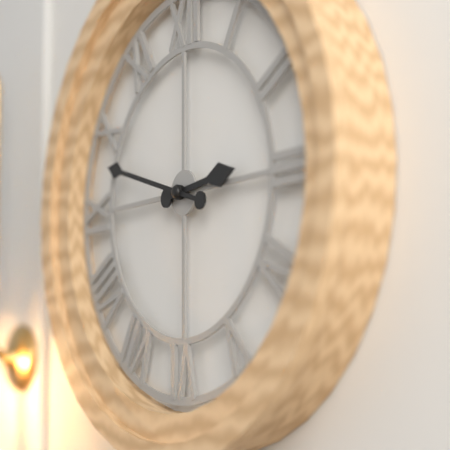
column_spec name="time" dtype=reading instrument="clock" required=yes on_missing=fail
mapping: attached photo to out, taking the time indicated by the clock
2:48
